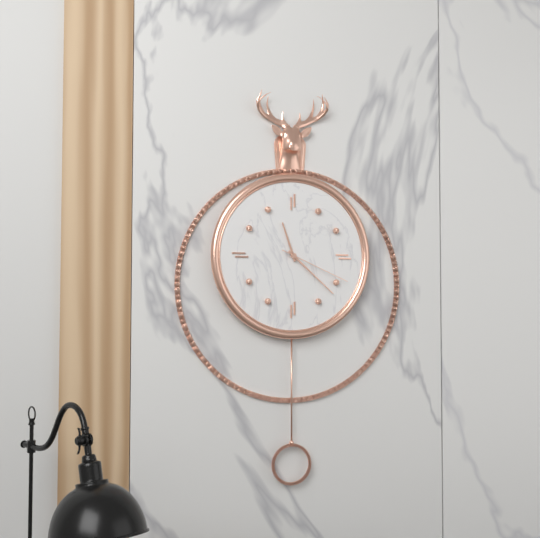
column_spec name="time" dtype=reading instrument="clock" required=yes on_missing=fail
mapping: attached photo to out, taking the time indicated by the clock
11:22:19
